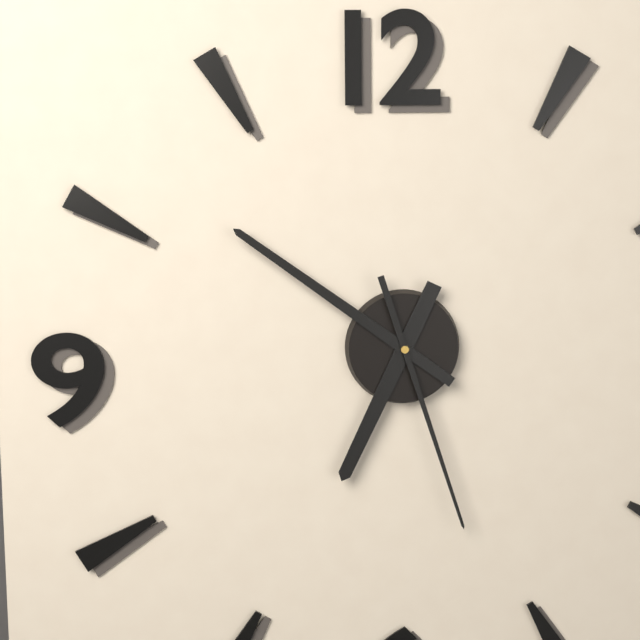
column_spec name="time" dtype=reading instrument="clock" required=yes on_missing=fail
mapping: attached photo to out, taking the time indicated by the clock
6:51:27
